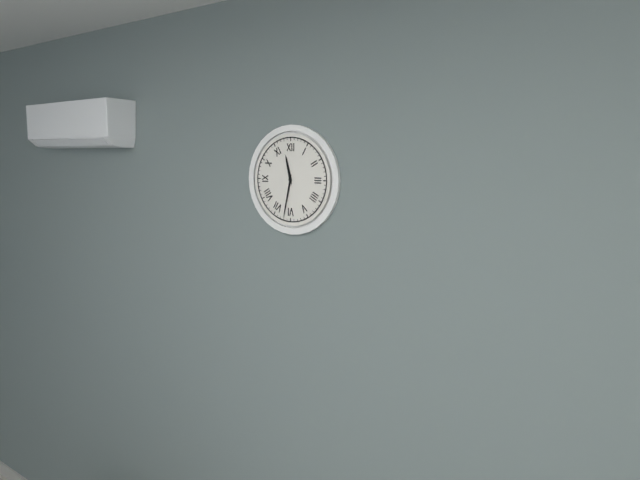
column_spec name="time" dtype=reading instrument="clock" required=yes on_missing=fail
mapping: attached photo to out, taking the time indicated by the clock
11:32
